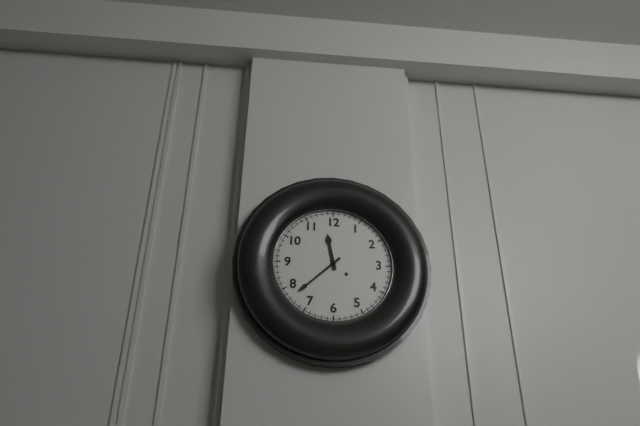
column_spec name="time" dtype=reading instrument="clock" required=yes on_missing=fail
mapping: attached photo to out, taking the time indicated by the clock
11:38
